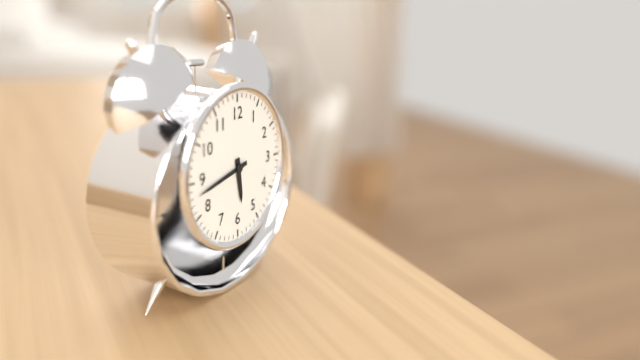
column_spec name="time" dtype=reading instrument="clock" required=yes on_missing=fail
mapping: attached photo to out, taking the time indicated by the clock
5:43
